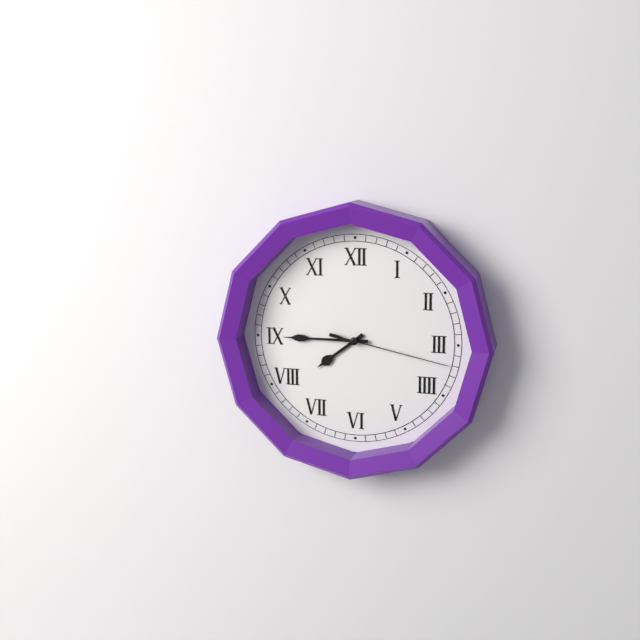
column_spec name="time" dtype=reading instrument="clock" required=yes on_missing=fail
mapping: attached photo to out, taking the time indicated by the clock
7:45:17
